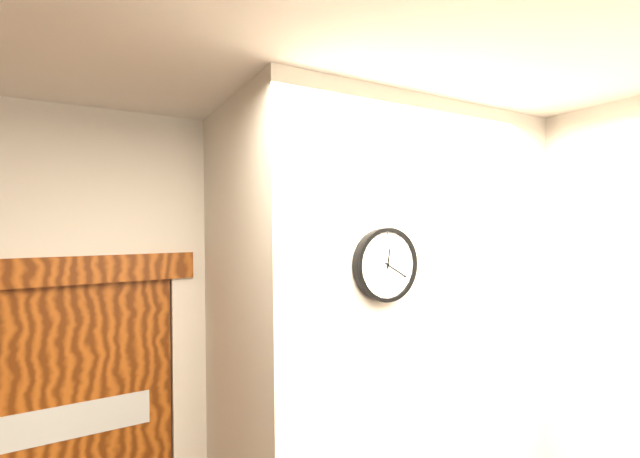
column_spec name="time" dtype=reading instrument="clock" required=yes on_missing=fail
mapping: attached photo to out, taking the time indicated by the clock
12:20
